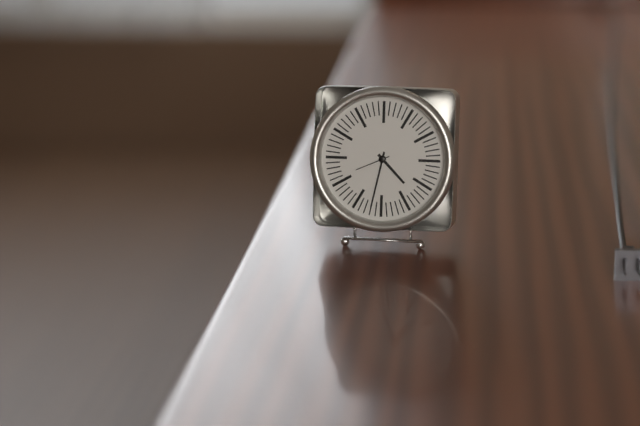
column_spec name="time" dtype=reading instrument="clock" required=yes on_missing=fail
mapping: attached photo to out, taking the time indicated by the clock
4:32
